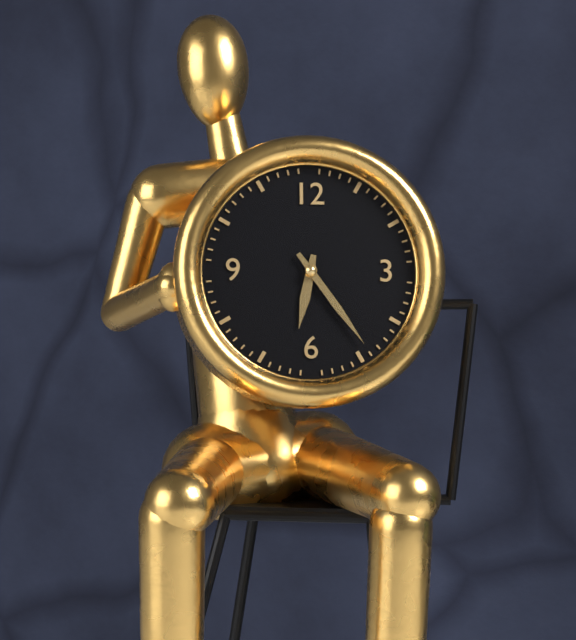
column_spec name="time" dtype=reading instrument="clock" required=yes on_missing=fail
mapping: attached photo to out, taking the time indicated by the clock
6:24
